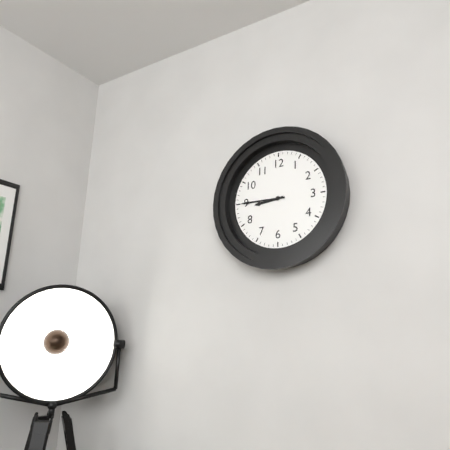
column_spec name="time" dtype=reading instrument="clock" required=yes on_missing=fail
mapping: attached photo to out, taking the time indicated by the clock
8:45
